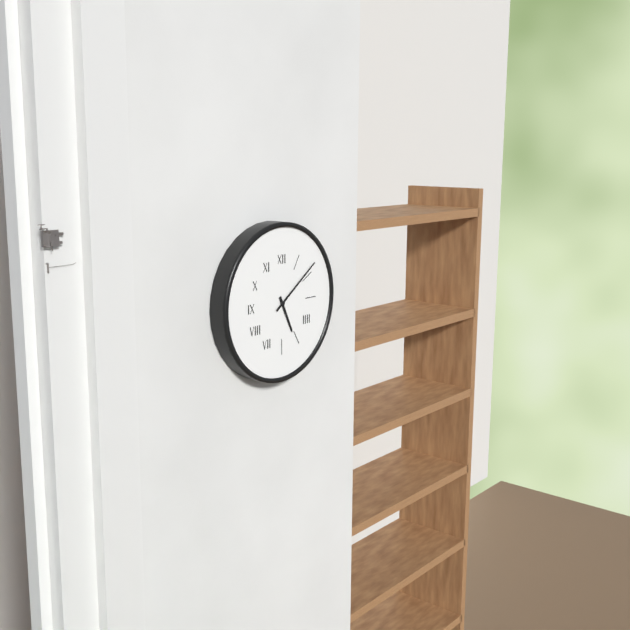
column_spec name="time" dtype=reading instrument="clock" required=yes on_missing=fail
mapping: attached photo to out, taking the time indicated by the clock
5:09
